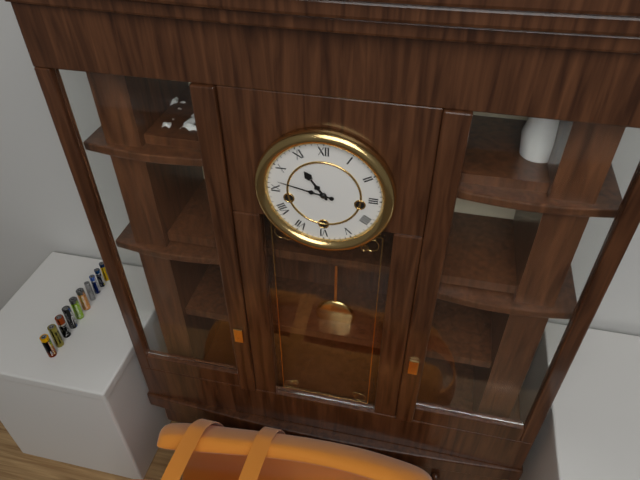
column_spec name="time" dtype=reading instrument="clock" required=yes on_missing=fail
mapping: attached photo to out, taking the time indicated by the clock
10:47
